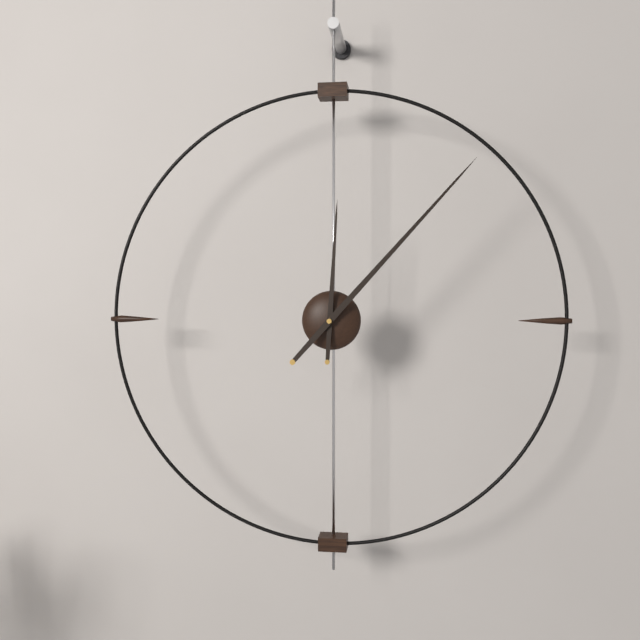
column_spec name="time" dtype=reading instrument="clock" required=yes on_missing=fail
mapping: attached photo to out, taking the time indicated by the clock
12:07
